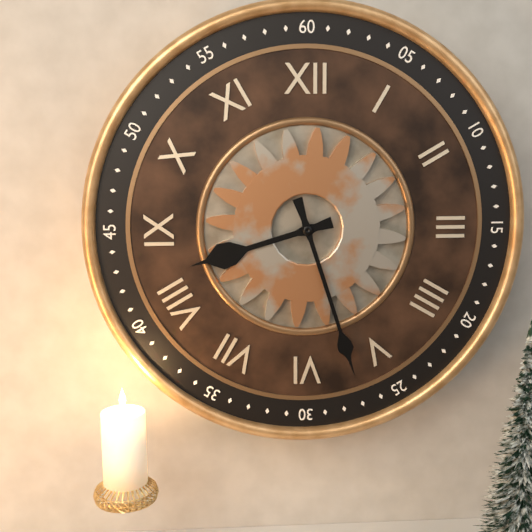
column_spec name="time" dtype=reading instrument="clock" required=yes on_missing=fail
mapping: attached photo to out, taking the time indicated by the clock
8:27
